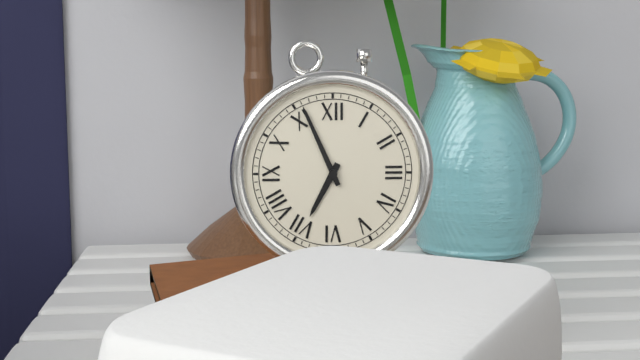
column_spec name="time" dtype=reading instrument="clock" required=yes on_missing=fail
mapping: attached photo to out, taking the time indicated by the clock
6:56
